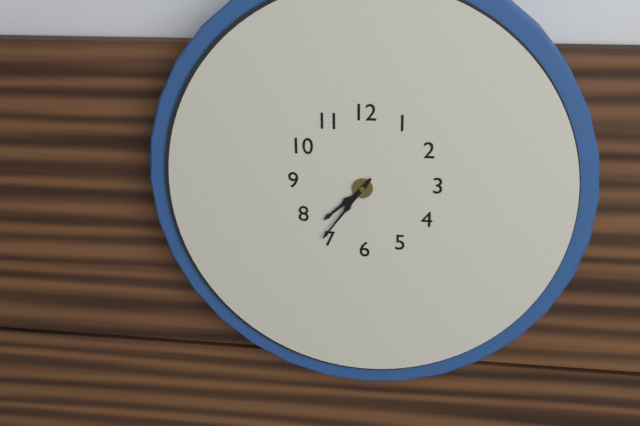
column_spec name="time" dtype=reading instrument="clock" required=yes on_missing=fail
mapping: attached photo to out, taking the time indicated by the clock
7:36
